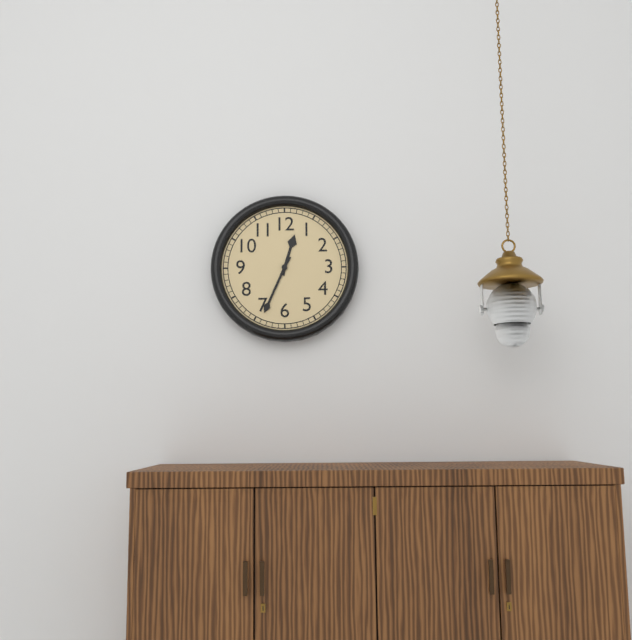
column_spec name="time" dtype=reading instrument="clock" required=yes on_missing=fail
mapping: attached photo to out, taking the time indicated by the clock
12:34
